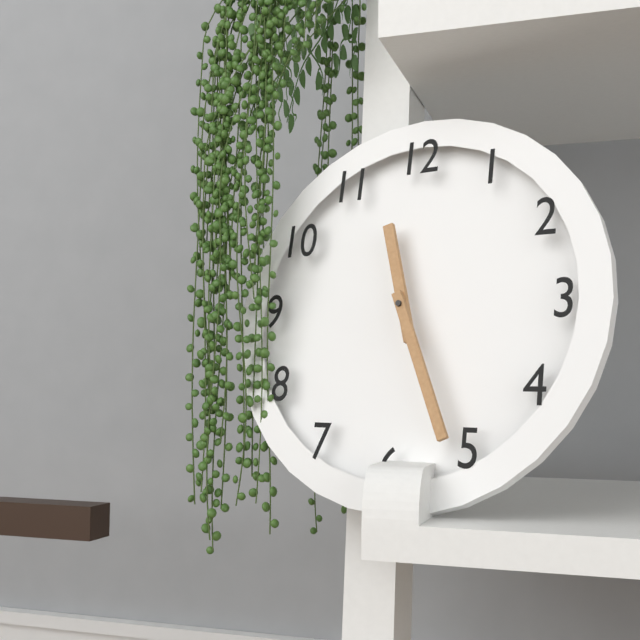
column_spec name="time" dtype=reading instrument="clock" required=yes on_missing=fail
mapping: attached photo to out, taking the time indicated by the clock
11:26
